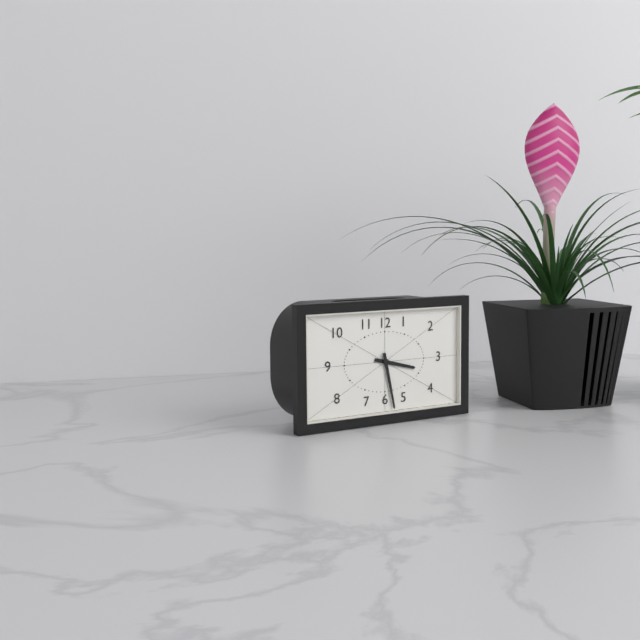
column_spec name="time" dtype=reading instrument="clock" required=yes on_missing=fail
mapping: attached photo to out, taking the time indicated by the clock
3:28
